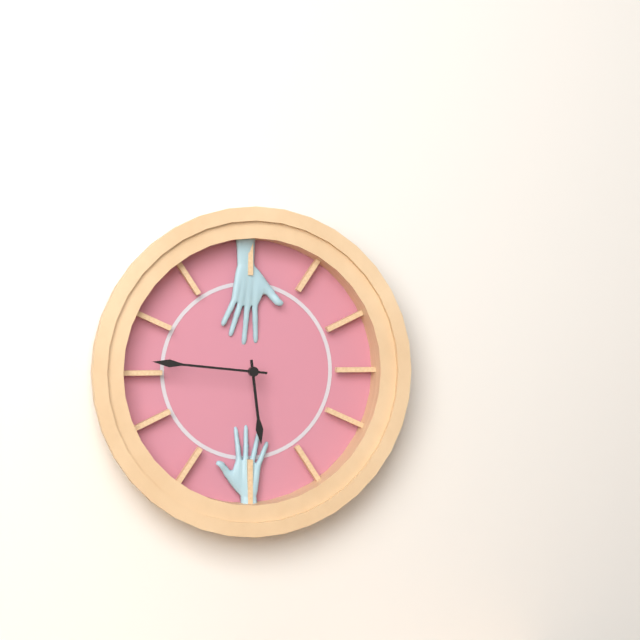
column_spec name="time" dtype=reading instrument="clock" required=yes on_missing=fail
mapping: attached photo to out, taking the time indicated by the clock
5:46
